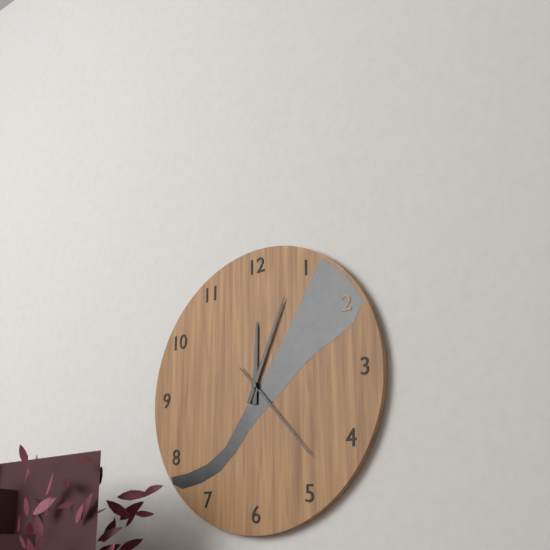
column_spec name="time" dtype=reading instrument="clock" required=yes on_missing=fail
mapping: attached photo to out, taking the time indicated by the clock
12:04:23
